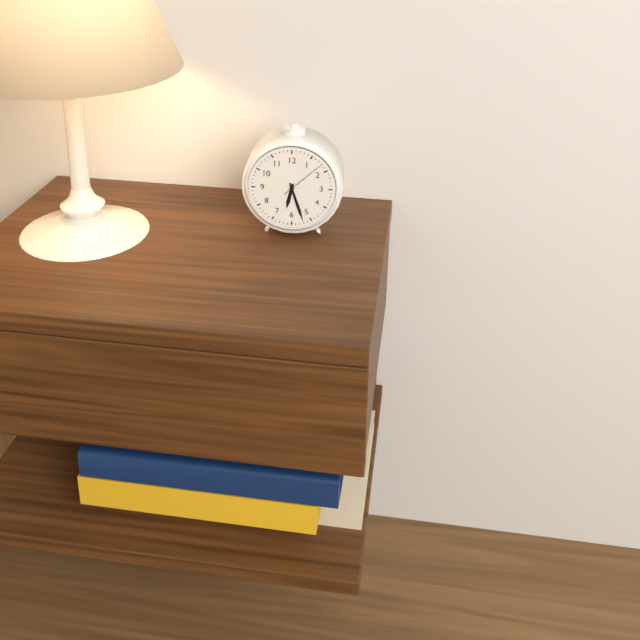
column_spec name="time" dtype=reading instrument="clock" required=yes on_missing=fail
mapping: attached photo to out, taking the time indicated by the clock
6:27
